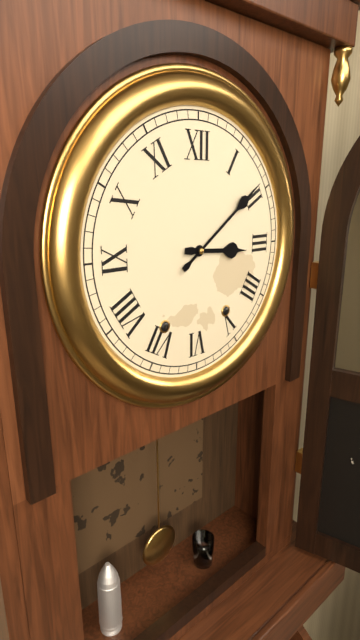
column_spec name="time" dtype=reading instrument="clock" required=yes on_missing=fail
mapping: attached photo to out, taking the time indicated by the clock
3:09
